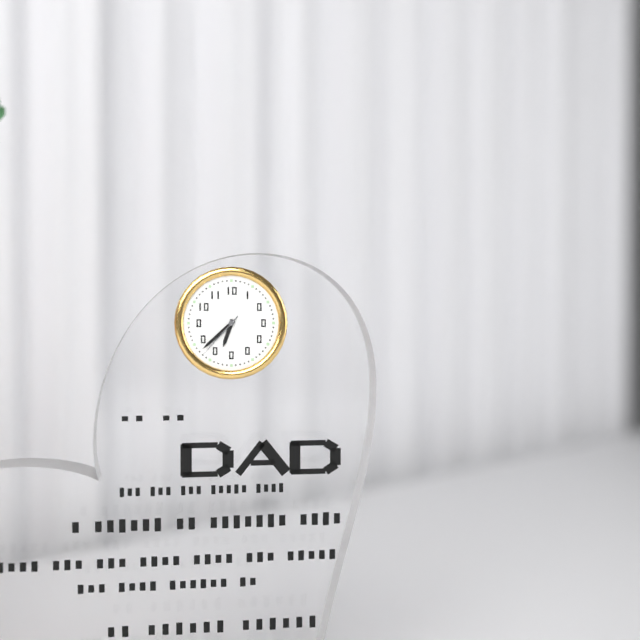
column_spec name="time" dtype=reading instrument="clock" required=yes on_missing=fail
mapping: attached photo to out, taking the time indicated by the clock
6:38:37
